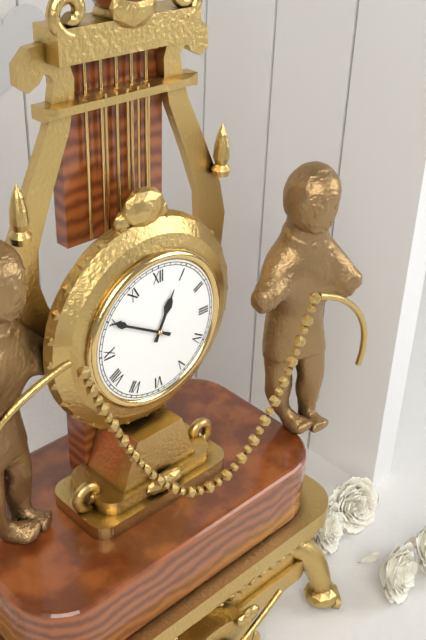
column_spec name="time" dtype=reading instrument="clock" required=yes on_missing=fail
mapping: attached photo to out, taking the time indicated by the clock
12:50
